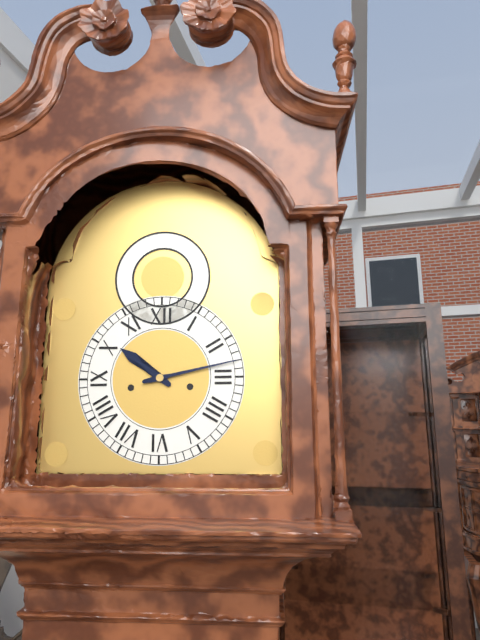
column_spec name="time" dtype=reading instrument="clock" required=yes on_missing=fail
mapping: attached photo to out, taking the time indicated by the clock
10:13
